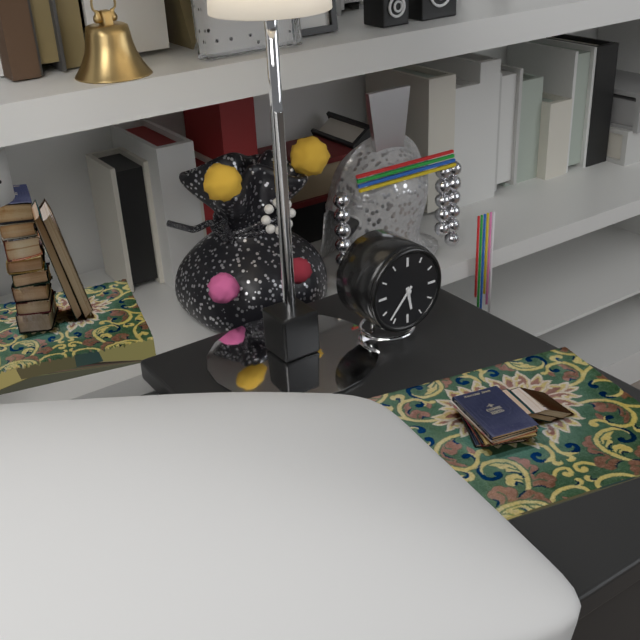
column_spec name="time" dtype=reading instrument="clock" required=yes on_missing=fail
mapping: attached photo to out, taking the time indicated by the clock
5:37
